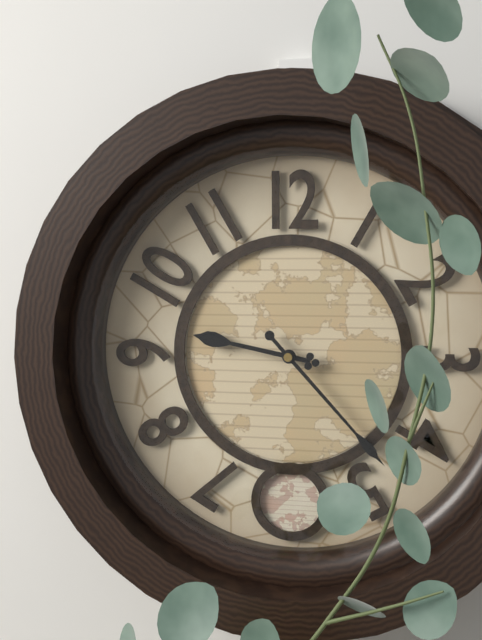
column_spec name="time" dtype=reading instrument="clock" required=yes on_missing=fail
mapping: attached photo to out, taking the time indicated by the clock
9:23
